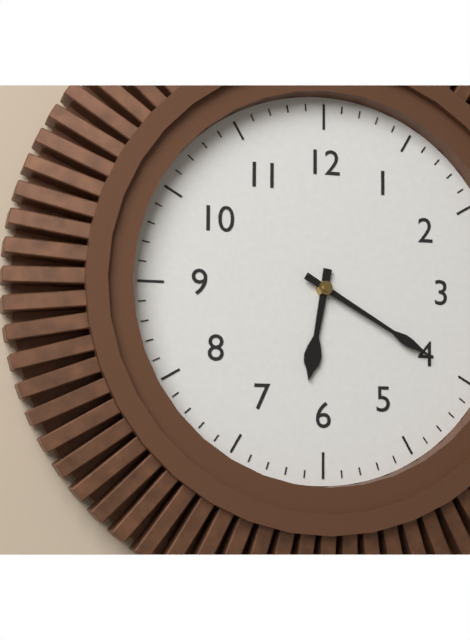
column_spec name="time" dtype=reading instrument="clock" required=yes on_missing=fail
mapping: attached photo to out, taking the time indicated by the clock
6:20
